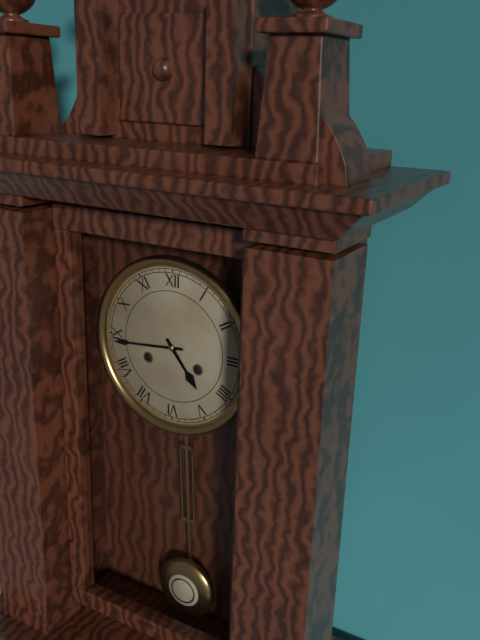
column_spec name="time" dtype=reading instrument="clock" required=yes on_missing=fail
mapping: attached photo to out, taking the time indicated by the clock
4:44
